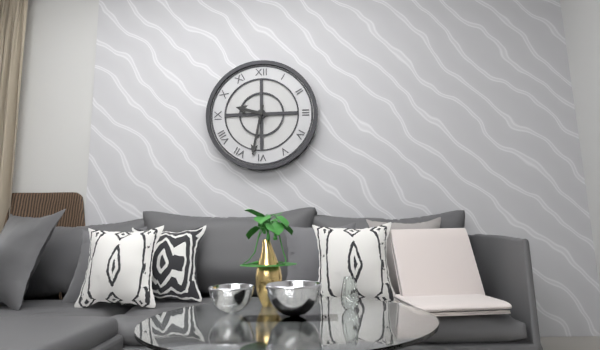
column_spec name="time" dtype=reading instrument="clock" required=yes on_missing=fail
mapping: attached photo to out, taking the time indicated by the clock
9:32
